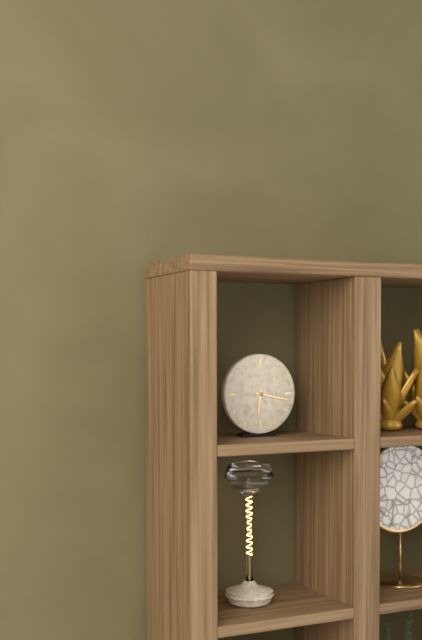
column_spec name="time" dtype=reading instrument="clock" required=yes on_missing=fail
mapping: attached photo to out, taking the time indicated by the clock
6:17
